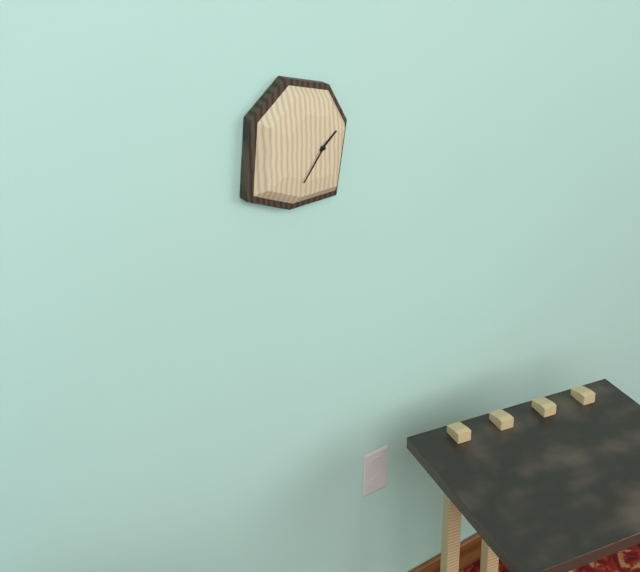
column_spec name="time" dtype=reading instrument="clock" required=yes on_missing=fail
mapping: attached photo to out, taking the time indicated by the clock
1:36
